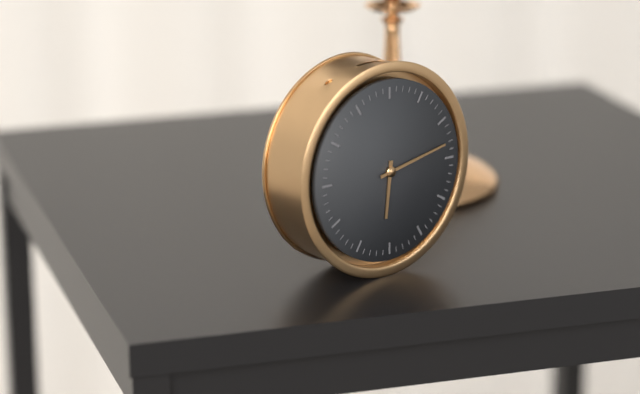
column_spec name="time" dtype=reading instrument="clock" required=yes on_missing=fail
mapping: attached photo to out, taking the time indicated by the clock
6:13
